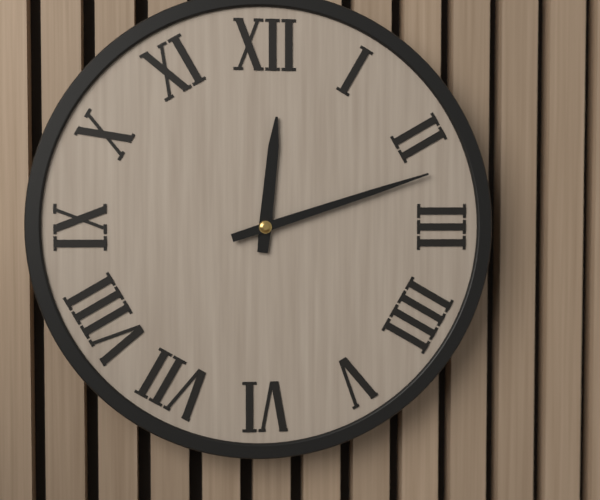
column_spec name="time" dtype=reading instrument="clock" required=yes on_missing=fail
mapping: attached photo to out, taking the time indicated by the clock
12:12
